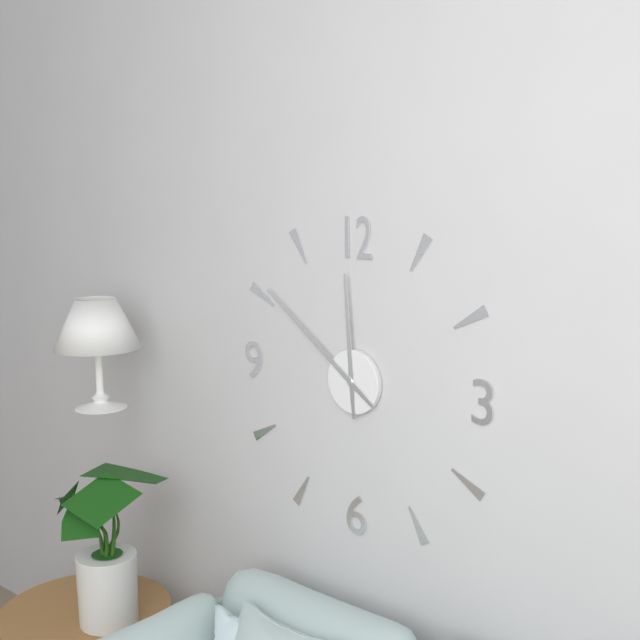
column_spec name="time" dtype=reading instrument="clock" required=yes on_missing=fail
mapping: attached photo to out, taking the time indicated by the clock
11:51
